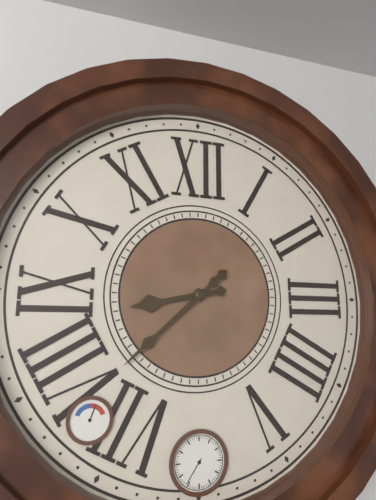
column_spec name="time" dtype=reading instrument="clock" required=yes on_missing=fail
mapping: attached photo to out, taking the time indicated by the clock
8:38
